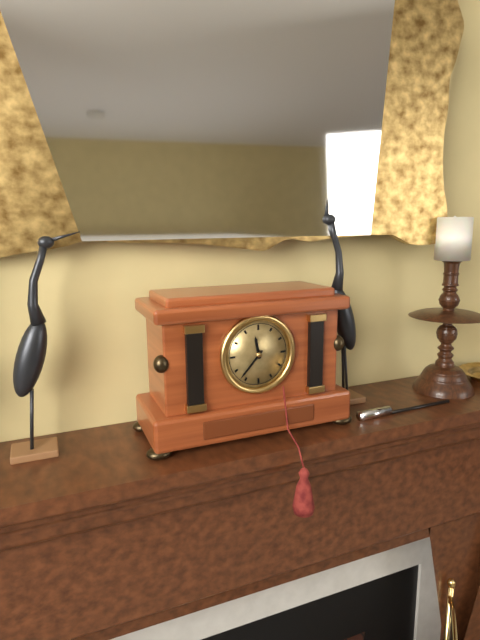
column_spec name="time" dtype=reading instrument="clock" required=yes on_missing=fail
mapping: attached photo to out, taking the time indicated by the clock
11:37
